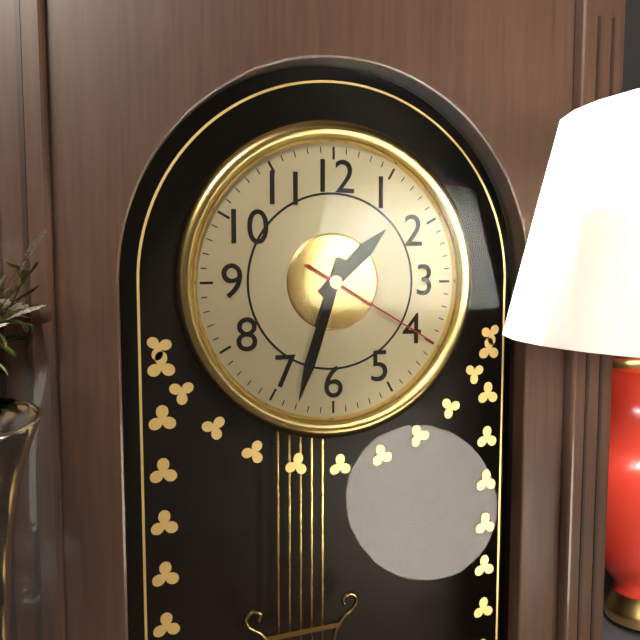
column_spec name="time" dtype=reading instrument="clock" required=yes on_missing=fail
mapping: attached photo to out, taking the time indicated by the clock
1:33:20
